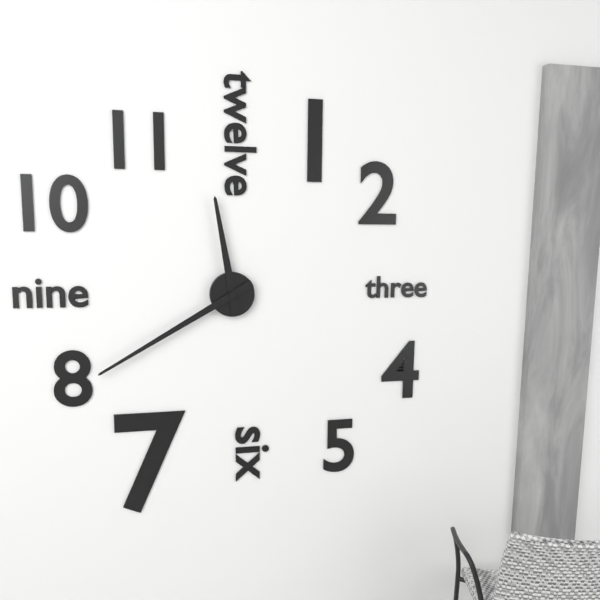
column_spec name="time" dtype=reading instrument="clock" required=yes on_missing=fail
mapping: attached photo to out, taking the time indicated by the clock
11:40
